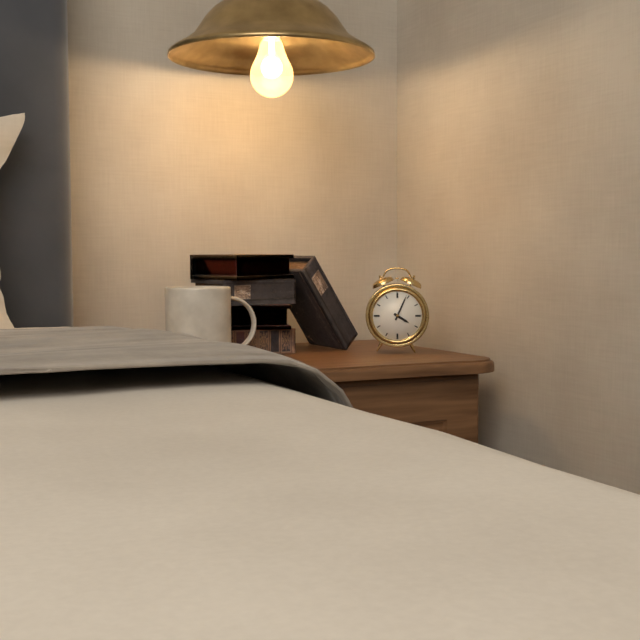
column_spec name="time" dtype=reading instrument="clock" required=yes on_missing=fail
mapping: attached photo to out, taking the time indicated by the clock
4:04
